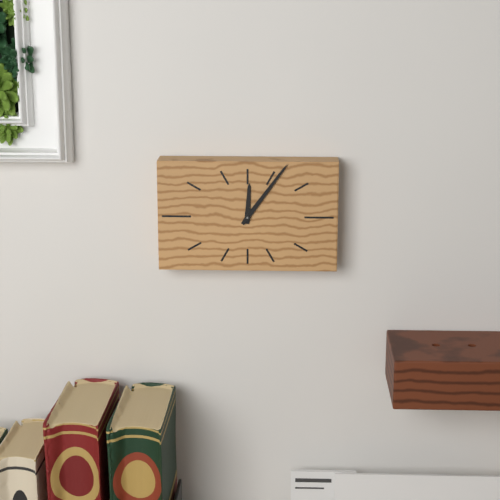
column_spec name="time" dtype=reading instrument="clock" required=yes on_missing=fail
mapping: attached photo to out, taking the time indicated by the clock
12:06
